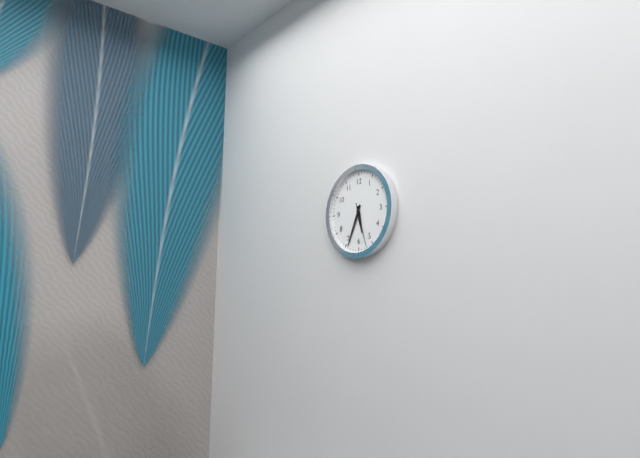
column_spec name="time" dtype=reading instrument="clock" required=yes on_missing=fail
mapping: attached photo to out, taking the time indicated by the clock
5:34
